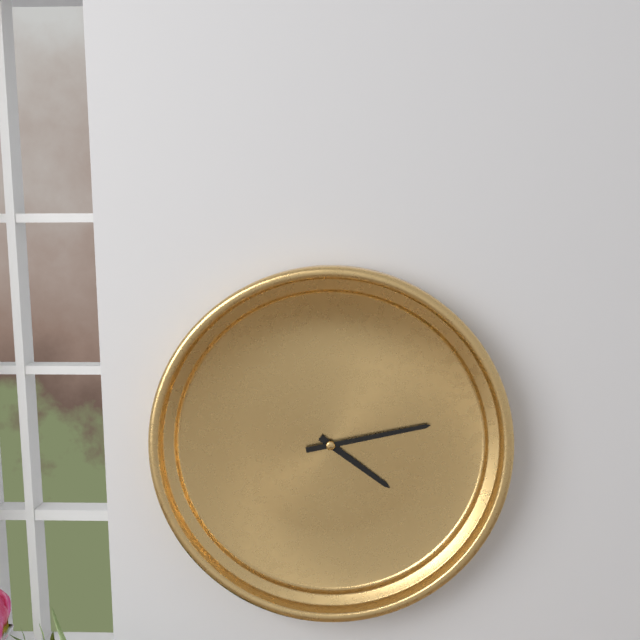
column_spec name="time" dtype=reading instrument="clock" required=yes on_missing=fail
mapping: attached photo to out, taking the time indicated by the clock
4:13
